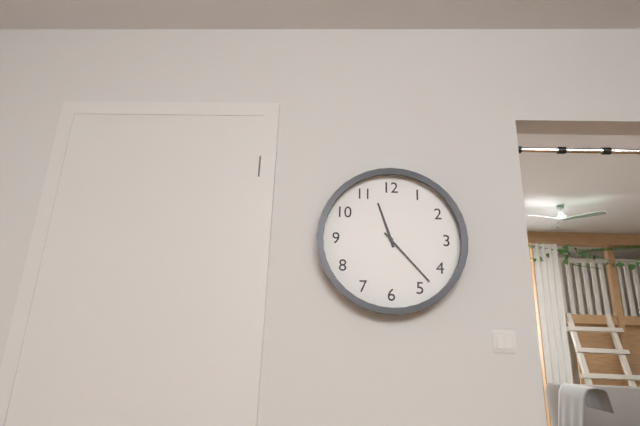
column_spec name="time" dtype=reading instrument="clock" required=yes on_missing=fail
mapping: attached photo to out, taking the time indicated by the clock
11:23
